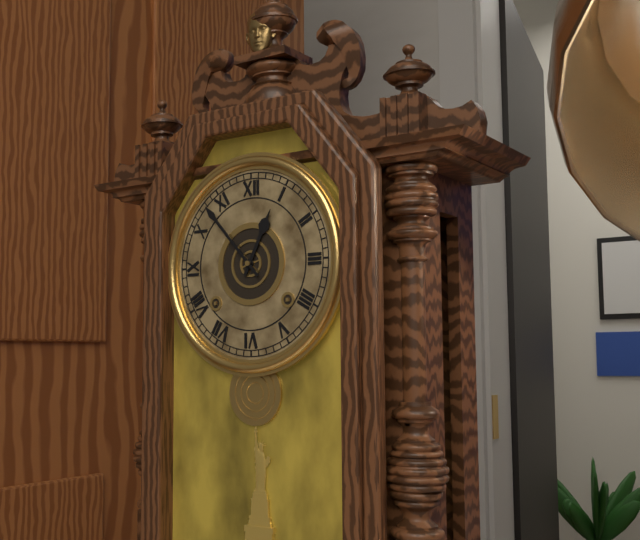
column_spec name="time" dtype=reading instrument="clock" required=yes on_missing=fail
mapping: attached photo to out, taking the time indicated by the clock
12:53
